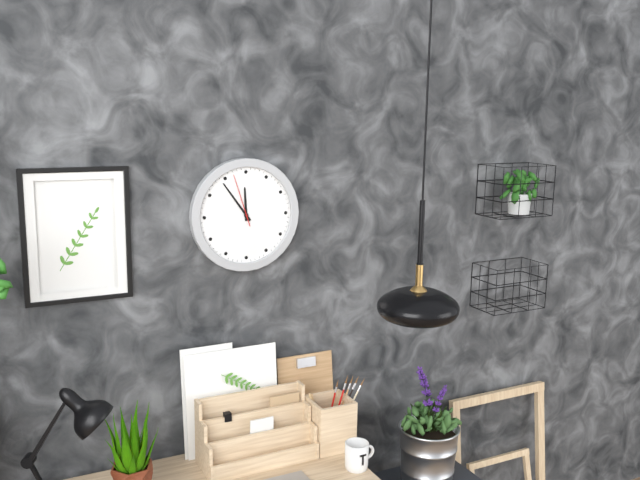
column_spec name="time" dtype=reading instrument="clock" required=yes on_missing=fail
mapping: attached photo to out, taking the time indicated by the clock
11:54:57
